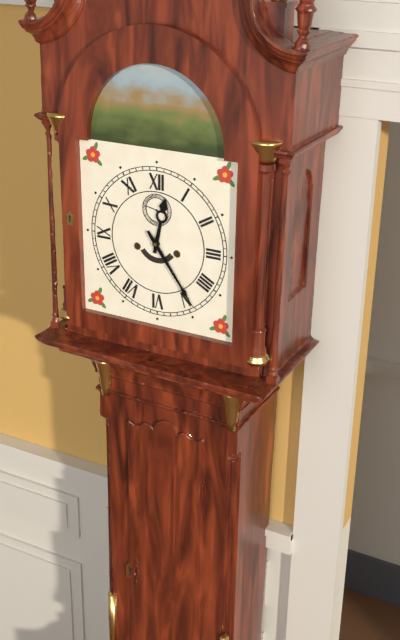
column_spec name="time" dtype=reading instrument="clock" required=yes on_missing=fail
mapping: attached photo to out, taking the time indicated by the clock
12:24
